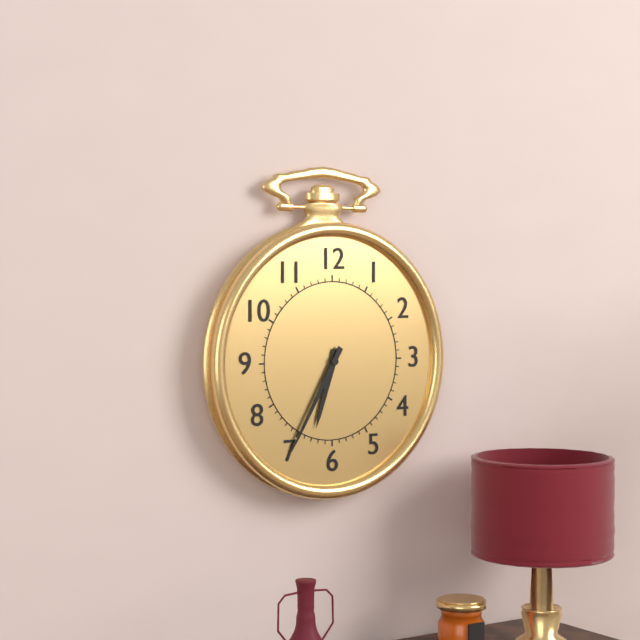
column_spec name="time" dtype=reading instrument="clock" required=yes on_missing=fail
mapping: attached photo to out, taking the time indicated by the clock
6:35
